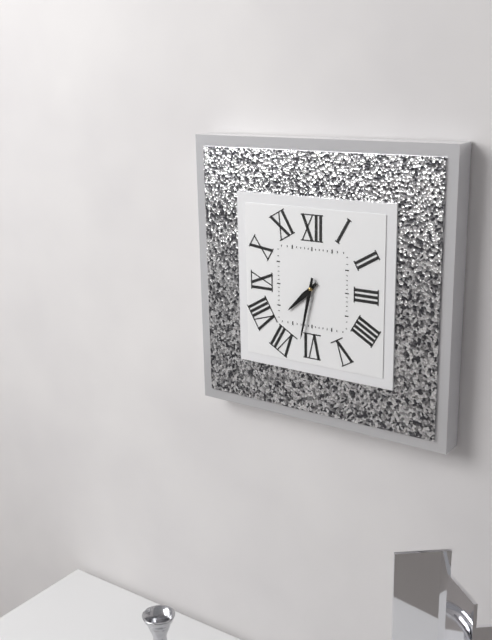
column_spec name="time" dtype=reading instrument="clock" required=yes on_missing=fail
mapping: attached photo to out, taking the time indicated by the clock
7:32
